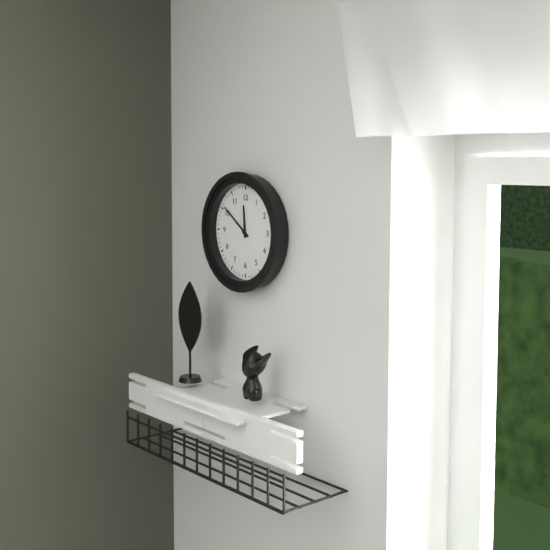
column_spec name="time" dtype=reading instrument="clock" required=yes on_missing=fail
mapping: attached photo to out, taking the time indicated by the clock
11:51
